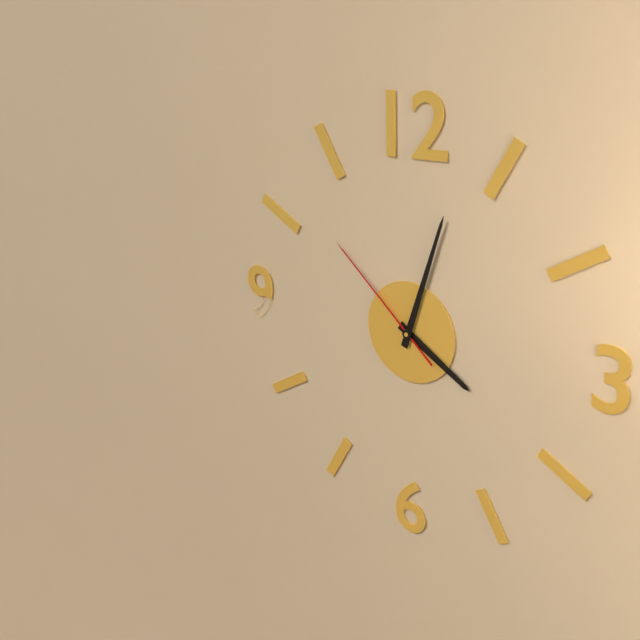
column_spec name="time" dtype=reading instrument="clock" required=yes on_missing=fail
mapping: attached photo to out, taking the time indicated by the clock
4:03:52
